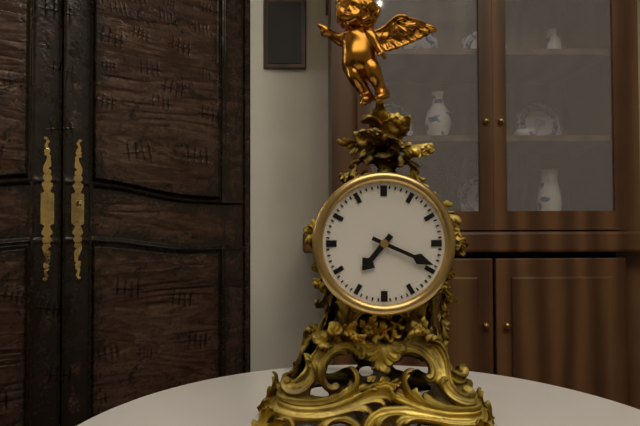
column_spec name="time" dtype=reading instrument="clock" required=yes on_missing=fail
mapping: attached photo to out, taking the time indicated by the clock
7:19
